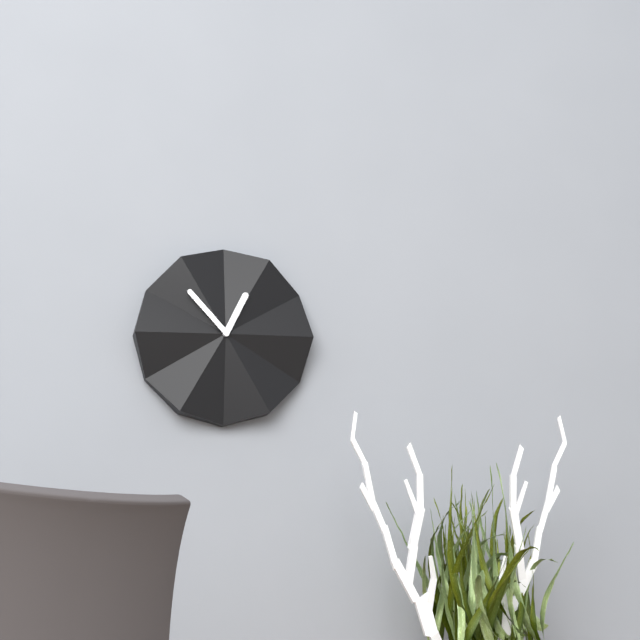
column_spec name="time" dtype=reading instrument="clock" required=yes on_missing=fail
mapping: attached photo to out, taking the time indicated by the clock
12:53
